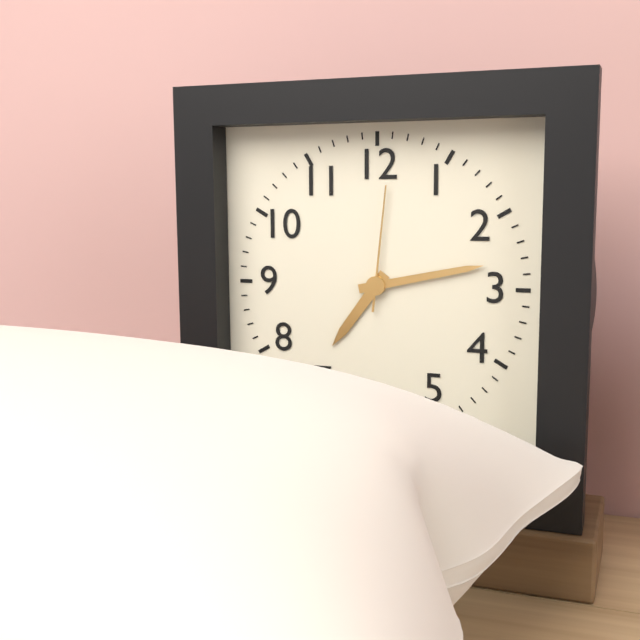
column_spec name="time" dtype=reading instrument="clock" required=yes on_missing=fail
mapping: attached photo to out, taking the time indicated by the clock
7:13:01
